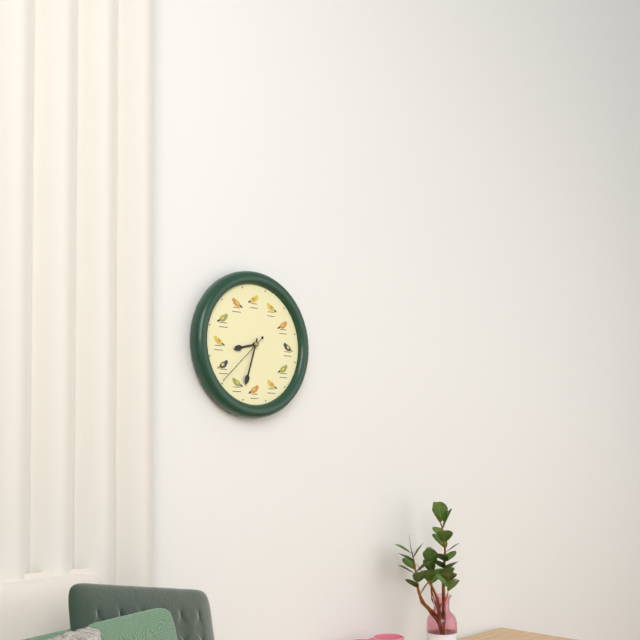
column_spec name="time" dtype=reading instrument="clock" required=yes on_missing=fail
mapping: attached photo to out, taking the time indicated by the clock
8:33:38
